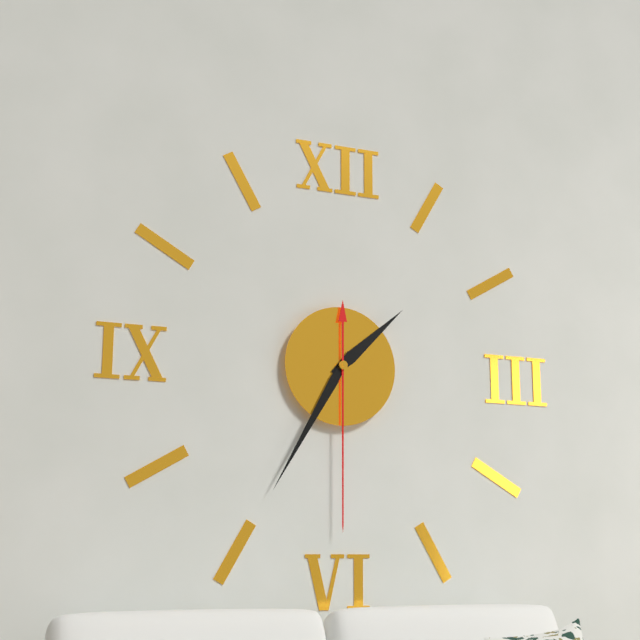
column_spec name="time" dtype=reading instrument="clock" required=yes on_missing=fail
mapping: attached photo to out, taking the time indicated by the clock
1:35:30
